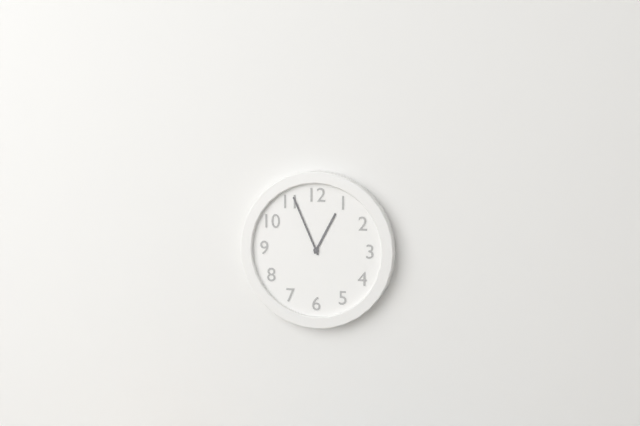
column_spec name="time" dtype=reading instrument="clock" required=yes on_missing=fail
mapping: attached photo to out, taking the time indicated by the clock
12:56
